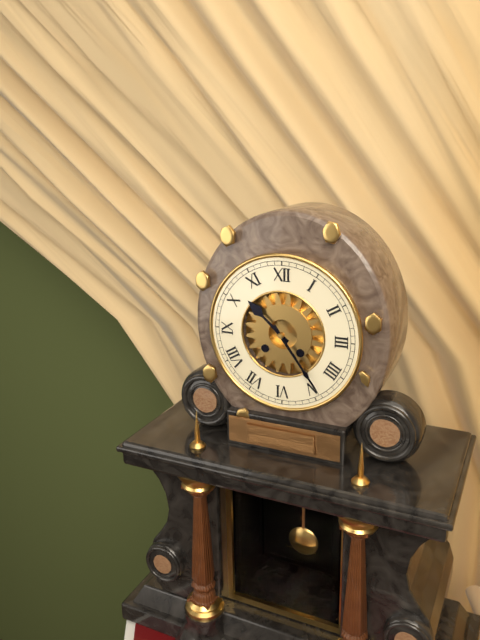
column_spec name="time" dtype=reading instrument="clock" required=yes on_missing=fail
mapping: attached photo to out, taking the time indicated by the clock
10:24
